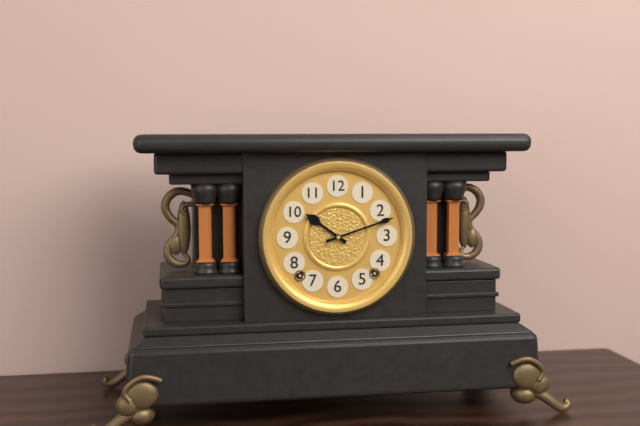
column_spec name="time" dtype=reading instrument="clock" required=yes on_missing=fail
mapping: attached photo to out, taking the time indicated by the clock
10:12
